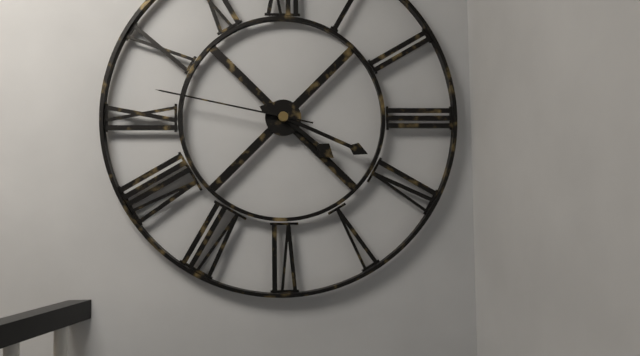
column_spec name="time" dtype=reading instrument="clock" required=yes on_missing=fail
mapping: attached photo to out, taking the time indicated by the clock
4:19:47
